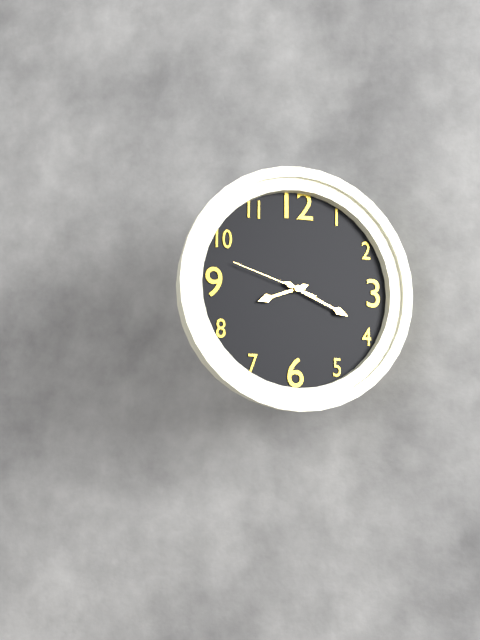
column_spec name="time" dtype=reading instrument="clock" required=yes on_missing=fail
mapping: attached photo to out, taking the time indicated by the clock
8:19:48
